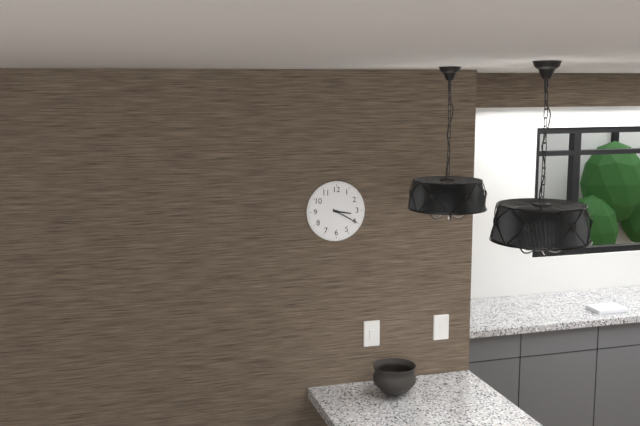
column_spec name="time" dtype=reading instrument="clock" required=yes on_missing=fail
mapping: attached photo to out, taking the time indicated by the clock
3:20
